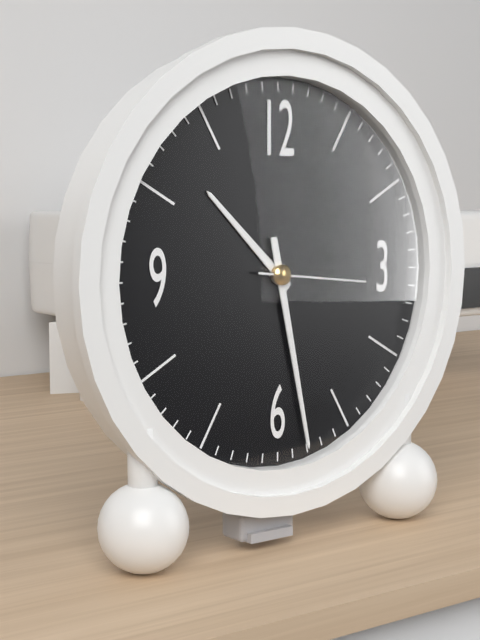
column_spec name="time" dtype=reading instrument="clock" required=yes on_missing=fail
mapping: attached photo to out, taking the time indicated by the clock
10:28:16
